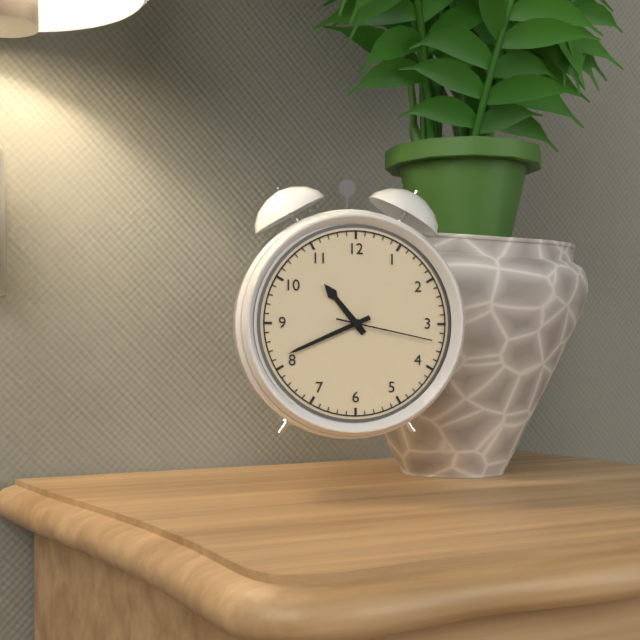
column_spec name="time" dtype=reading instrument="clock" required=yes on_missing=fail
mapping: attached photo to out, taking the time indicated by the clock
10:41:17
